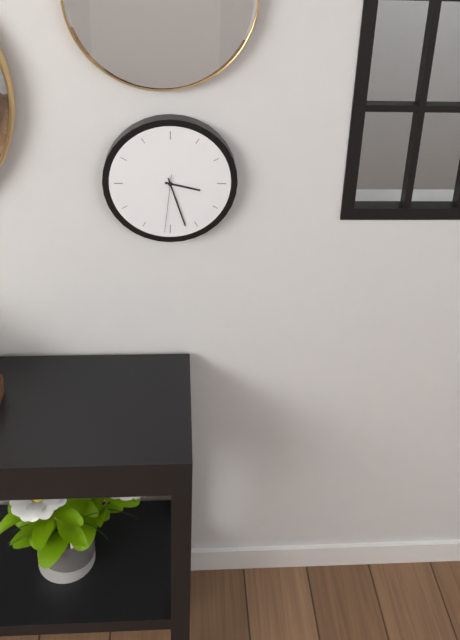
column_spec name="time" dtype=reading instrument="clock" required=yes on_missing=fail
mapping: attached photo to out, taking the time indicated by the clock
3:27:31
